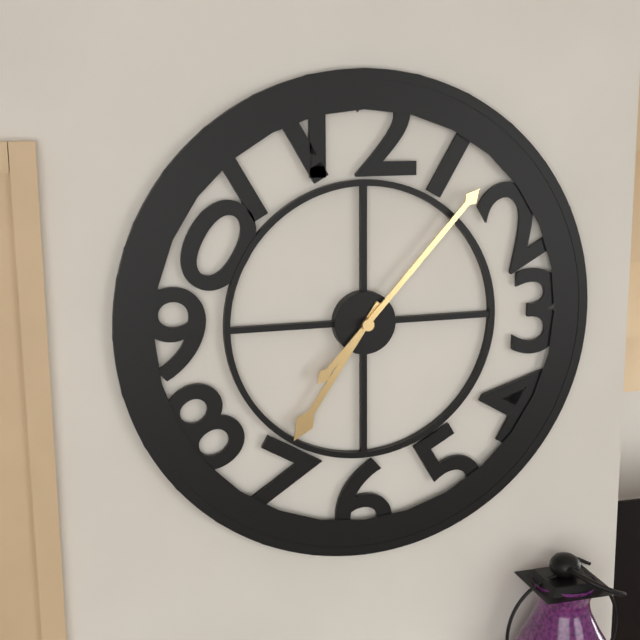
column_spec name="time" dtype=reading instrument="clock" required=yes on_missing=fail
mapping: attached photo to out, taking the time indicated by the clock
7:07
